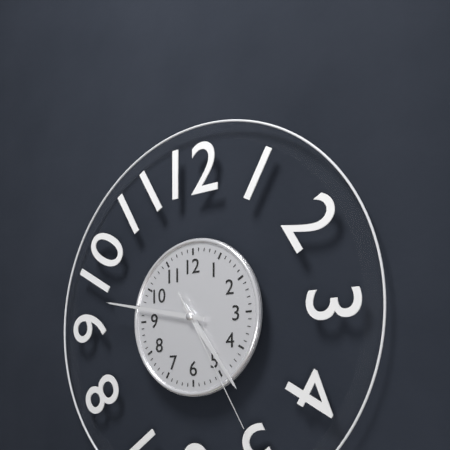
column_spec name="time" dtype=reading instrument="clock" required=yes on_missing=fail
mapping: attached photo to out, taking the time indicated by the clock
4:47:25
